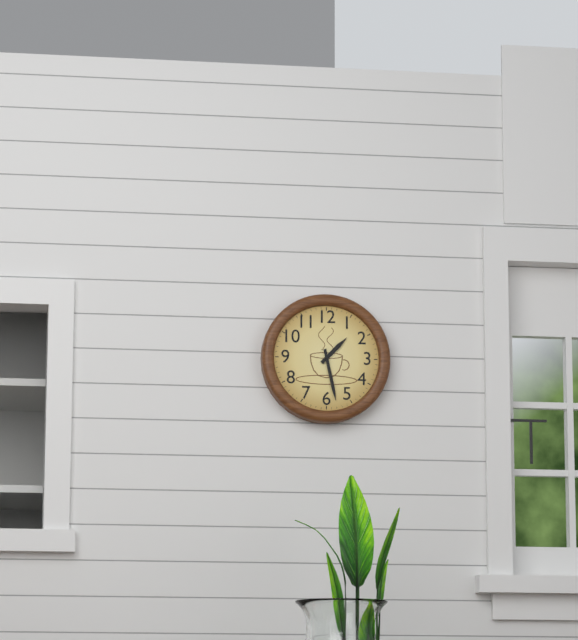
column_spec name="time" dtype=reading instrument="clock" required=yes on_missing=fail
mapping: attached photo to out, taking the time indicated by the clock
1:28
